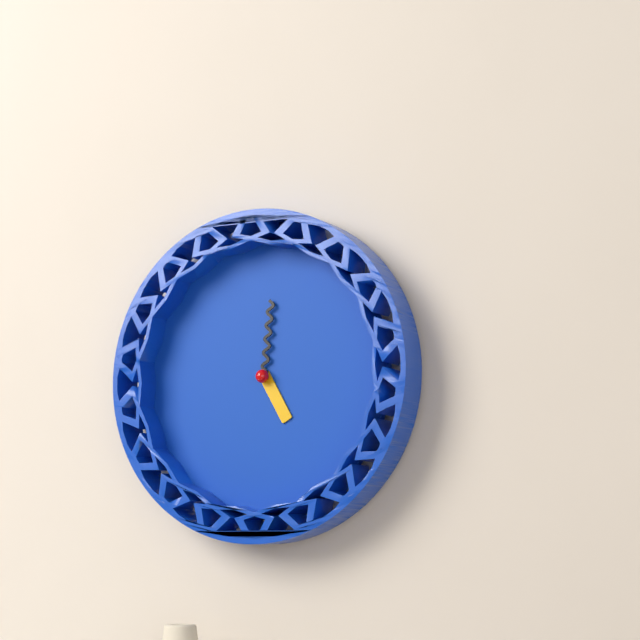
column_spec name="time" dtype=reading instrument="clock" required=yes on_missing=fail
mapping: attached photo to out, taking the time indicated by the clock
5:01
